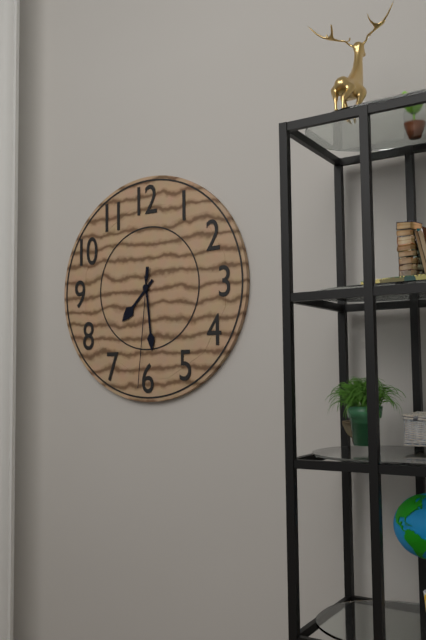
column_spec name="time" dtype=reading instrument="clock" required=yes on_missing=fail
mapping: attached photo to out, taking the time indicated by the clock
7:29:31
